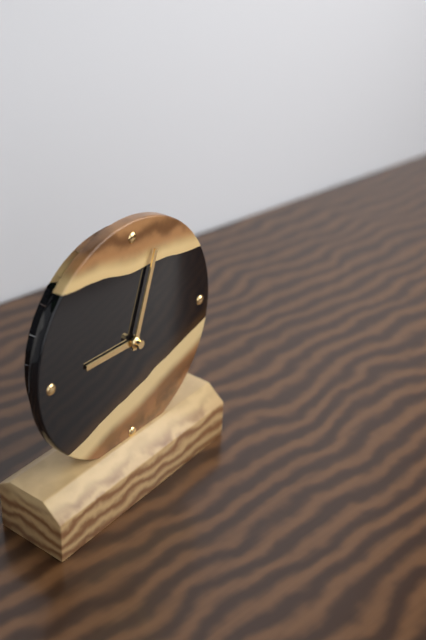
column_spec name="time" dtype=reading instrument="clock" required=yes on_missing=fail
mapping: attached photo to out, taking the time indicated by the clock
9:03
